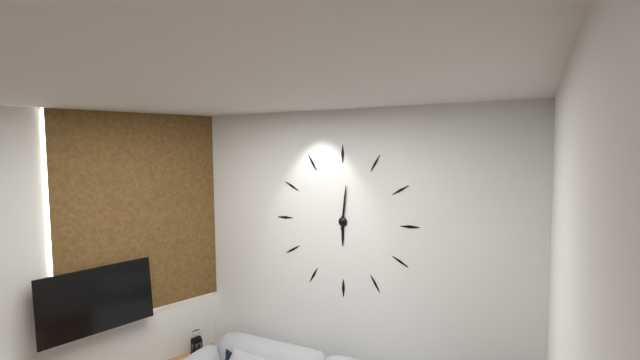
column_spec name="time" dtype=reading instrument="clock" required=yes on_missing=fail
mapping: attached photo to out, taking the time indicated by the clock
6:01
